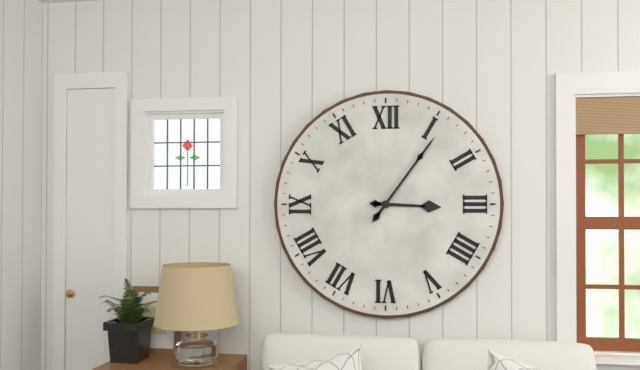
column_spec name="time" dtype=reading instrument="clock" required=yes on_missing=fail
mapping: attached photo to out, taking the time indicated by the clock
3:06
